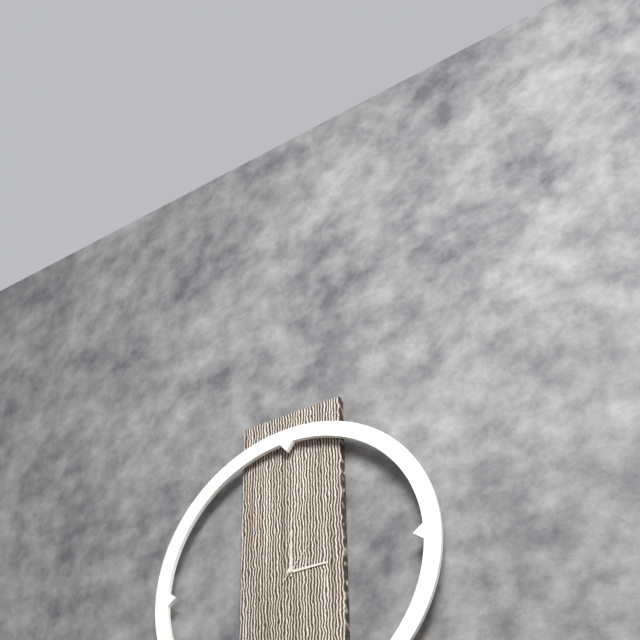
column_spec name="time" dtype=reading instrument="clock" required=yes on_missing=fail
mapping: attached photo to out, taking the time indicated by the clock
3:00
